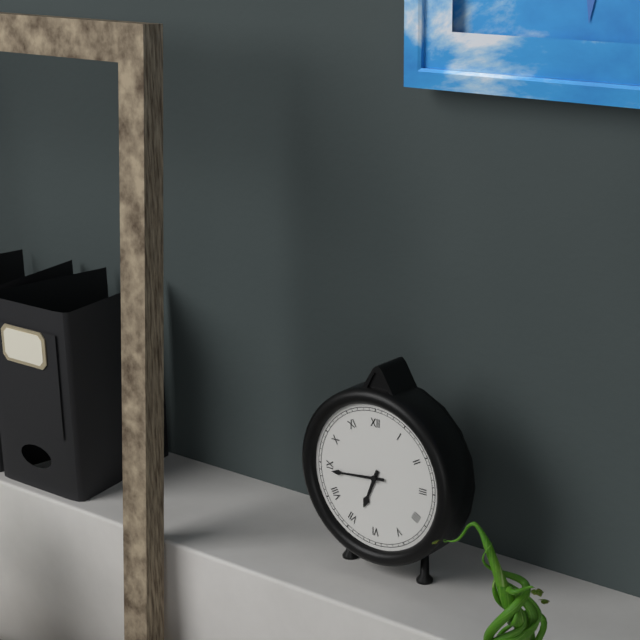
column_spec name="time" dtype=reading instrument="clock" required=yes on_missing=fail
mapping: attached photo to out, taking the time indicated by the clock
6:44
